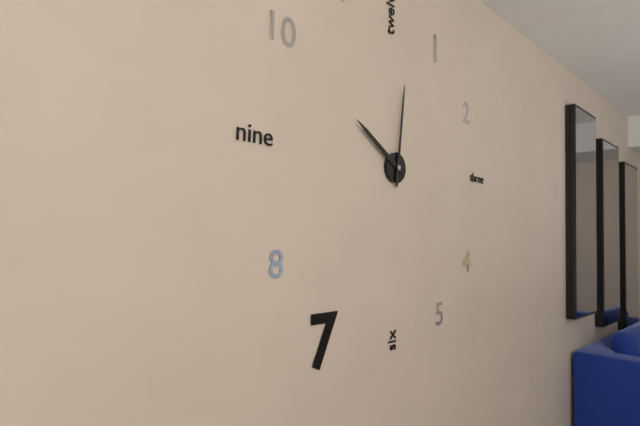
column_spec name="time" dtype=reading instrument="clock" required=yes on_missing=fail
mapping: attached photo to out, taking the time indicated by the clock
10:01
